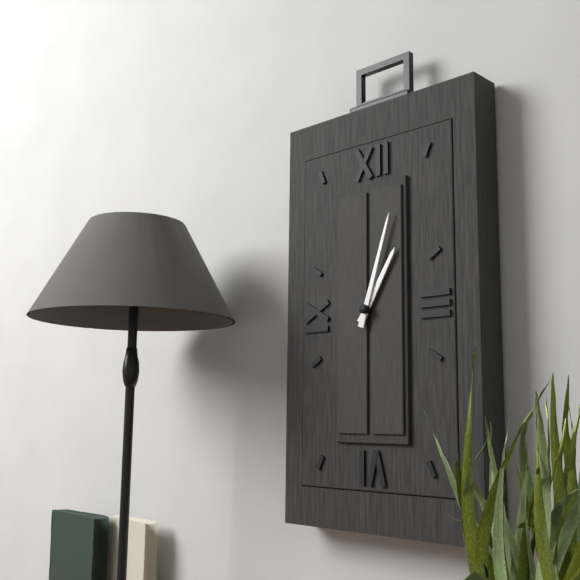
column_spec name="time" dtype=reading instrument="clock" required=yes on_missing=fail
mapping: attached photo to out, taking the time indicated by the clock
1:03
